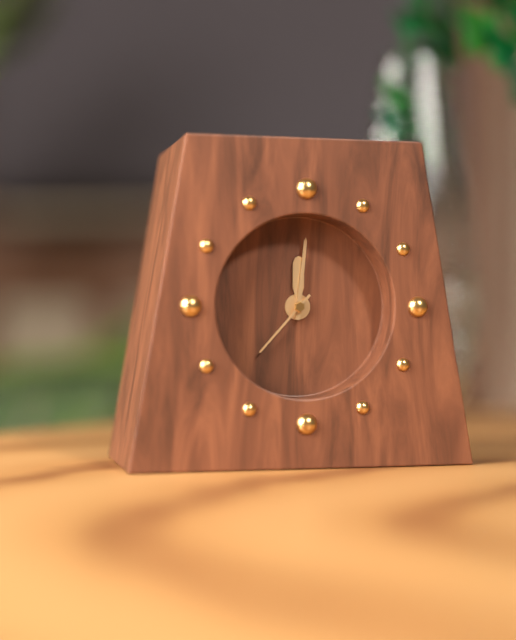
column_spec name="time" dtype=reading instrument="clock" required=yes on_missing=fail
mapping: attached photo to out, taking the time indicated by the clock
12:01:37
